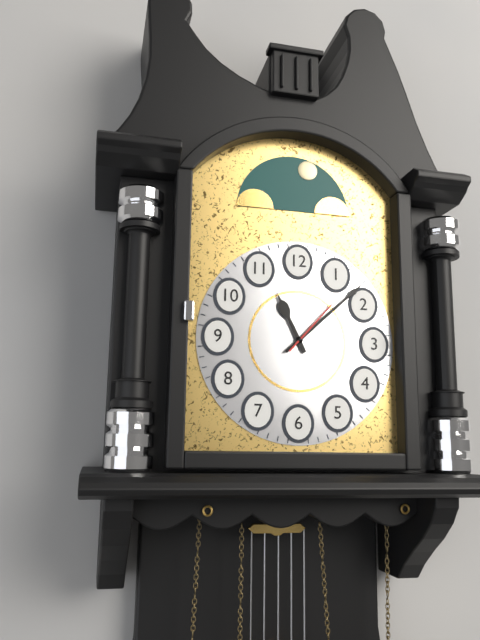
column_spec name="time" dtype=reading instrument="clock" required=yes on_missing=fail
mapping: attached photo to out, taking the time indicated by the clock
11:08:07
